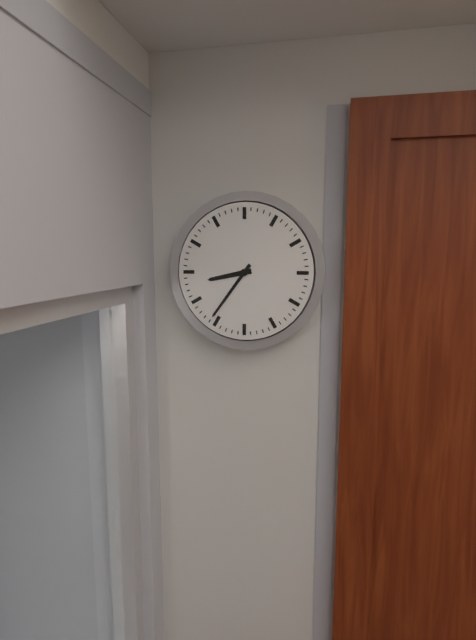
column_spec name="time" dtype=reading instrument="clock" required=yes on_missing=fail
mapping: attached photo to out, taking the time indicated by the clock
8:36
